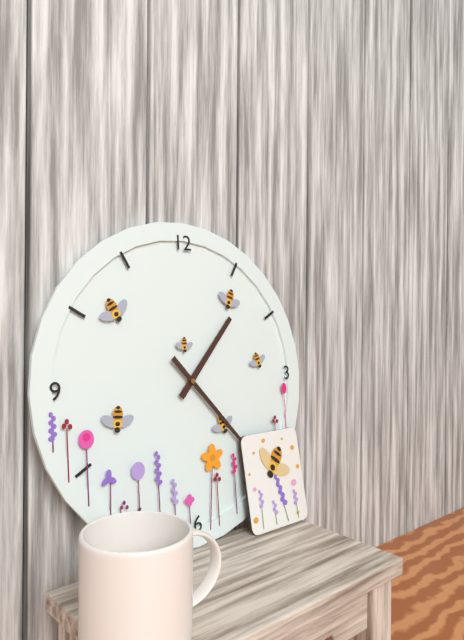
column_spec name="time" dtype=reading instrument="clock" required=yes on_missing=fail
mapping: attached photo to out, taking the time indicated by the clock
1:23
